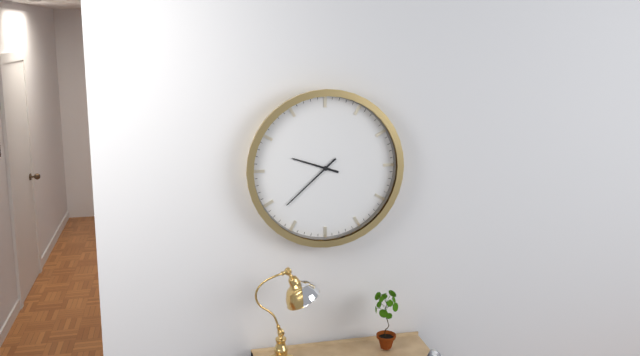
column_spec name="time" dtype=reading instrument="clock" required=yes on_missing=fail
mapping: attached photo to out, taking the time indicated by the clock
9:38
